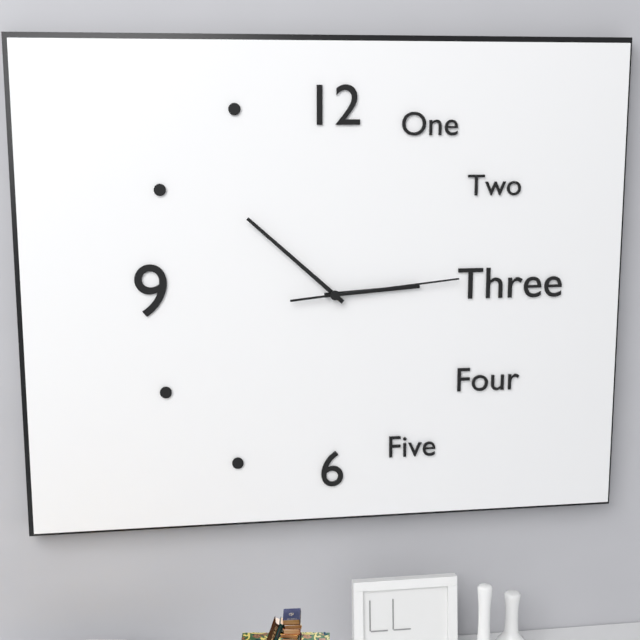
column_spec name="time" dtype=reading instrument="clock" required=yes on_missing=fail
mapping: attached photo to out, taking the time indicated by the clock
2:52:14
